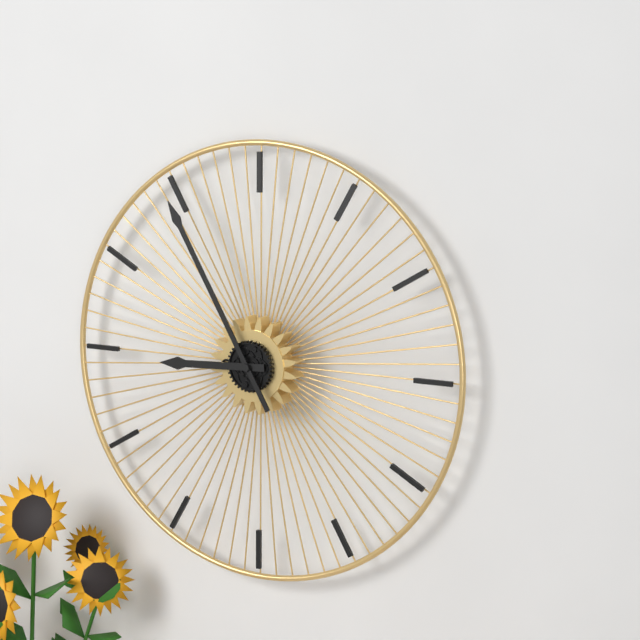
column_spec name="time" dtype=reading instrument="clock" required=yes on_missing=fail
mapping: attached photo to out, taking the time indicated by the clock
8:55
